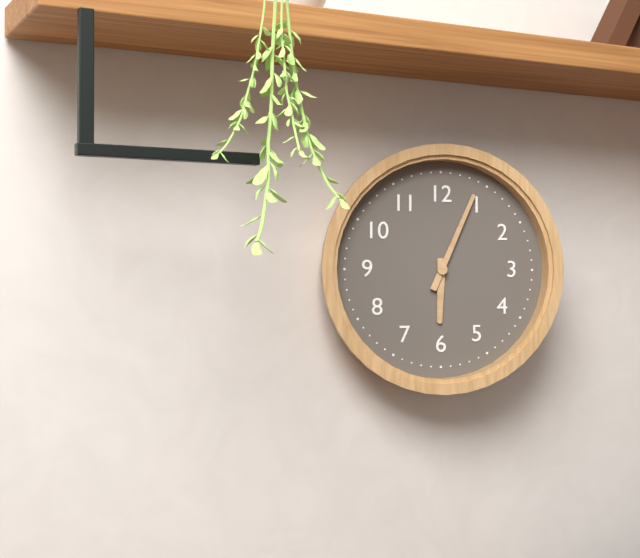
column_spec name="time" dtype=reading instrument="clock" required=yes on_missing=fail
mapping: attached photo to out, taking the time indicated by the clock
6:04
